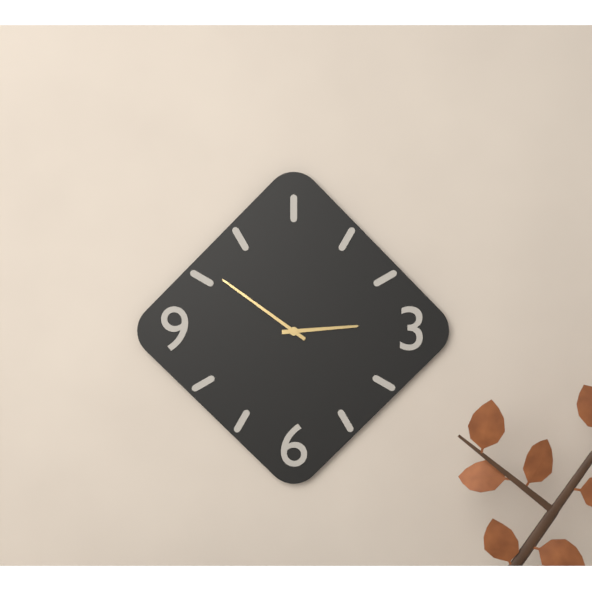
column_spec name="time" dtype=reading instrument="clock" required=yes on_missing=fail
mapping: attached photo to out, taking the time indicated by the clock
2:51
